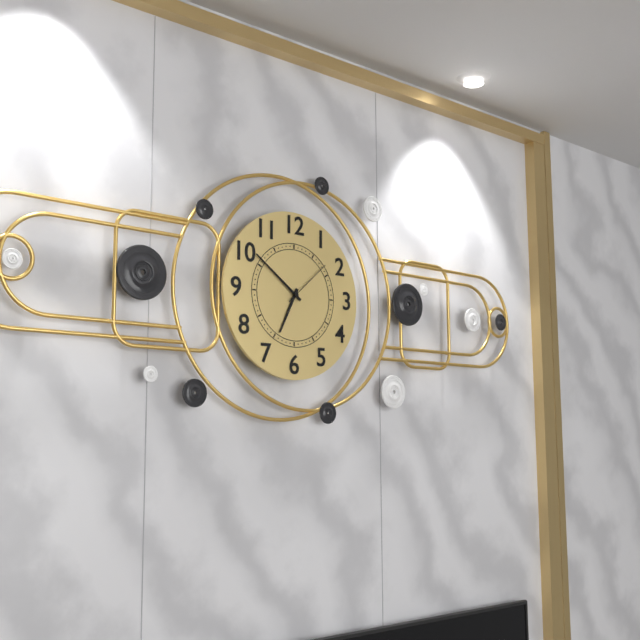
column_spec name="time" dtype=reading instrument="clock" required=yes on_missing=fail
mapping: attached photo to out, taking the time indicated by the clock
6:51:08
